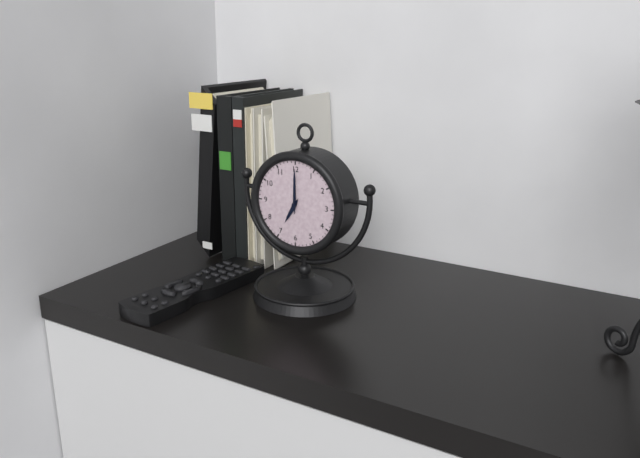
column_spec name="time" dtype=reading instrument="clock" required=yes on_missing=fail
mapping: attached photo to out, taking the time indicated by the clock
7:00
